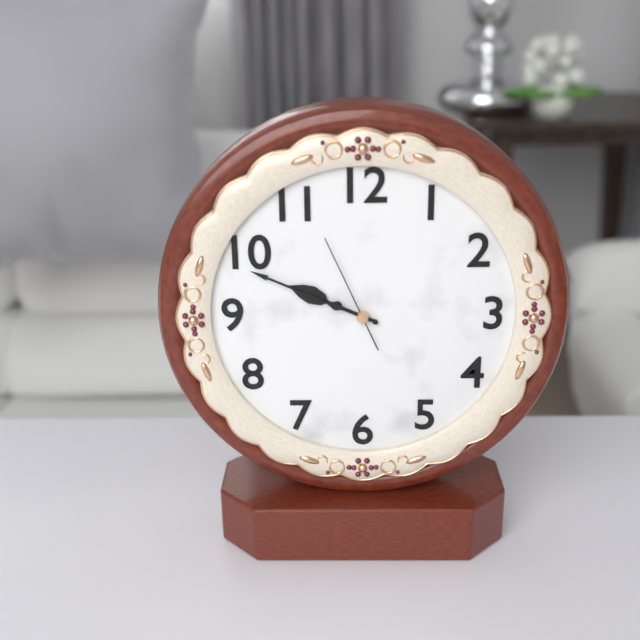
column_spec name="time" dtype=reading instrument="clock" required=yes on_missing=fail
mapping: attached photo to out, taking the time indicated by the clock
9:49:56
